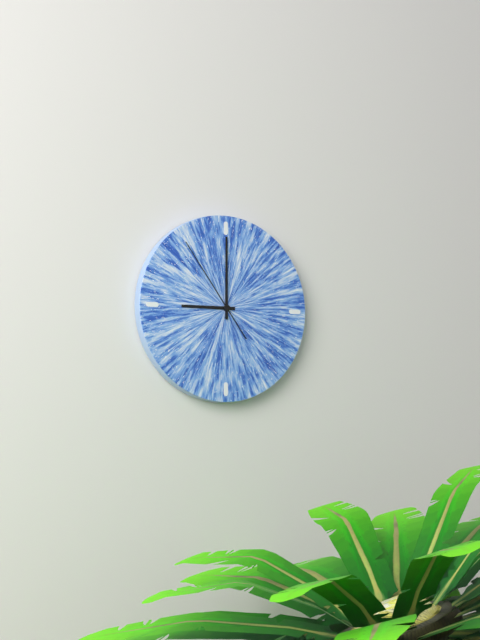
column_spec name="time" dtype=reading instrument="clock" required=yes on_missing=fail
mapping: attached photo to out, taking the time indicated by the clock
9:00:54
